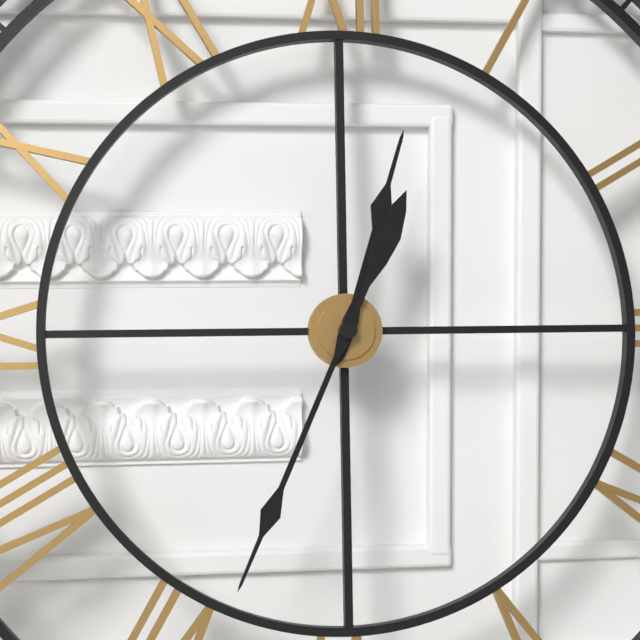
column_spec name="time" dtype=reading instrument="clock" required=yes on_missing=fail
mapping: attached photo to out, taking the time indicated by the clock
12:34
